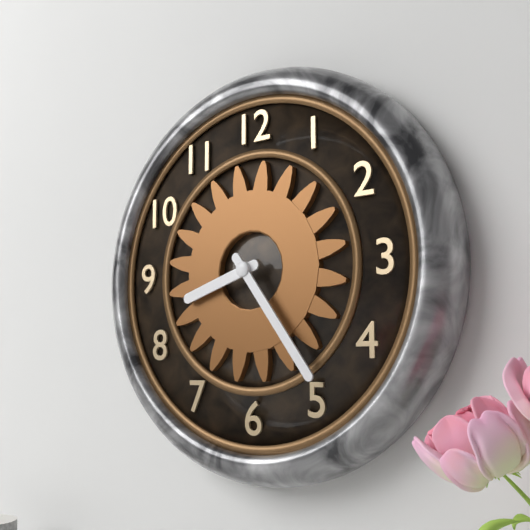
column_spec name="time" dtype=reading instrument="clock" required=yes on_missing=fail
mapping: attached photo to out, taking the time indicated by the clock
8:24
